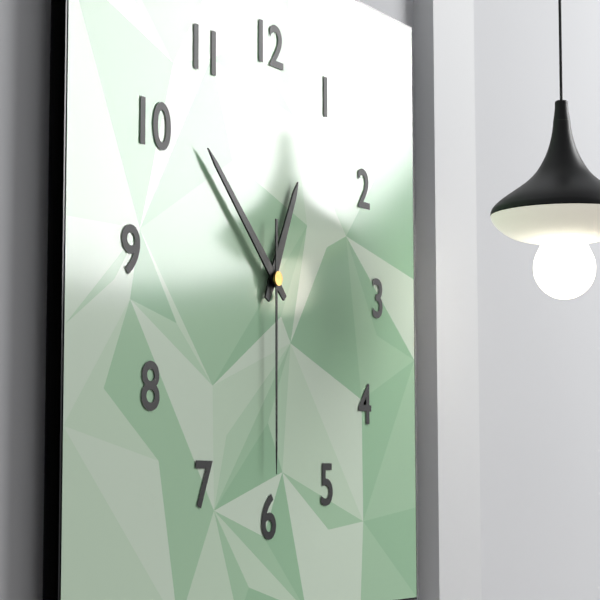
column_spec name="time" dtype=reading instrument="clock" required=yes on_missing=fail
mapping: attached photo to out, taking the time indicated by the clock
12:52:30
